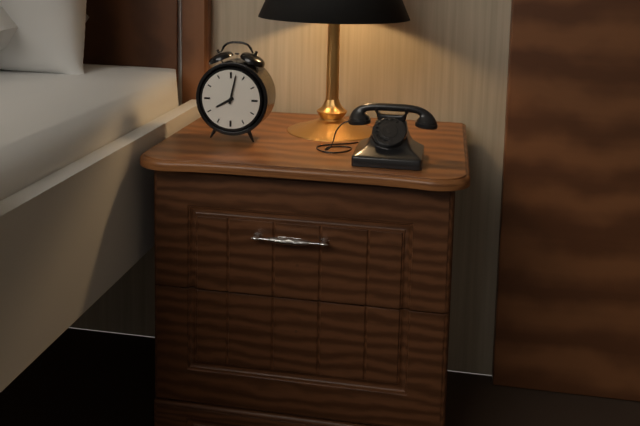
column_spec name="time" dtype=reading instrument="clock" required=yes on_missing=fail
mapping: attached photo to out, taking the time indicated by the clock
8:02
